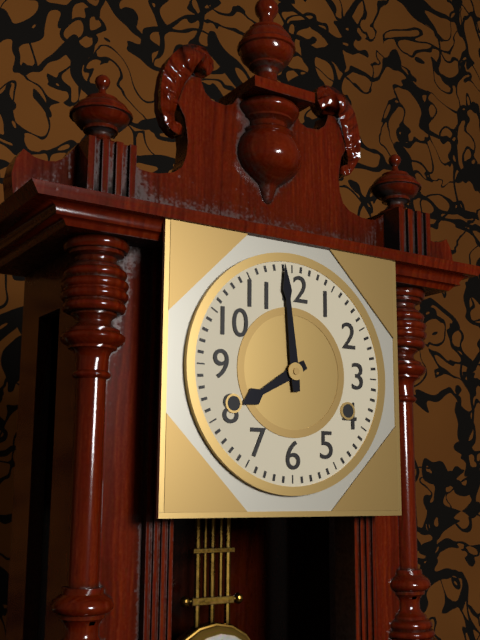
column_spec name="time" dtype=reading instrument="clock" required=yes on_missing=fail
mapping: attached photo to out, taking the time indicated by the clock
7:59
